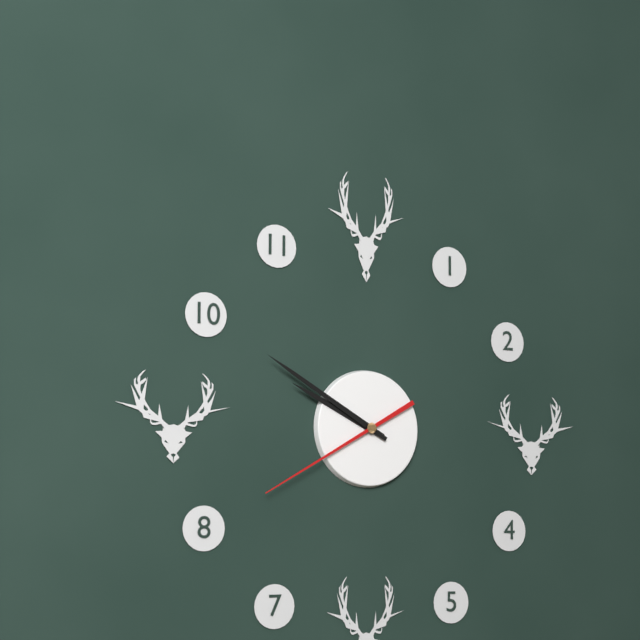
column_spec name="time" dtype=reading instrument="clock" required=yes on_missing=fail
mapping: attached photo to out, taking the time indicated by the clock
9:50:40
